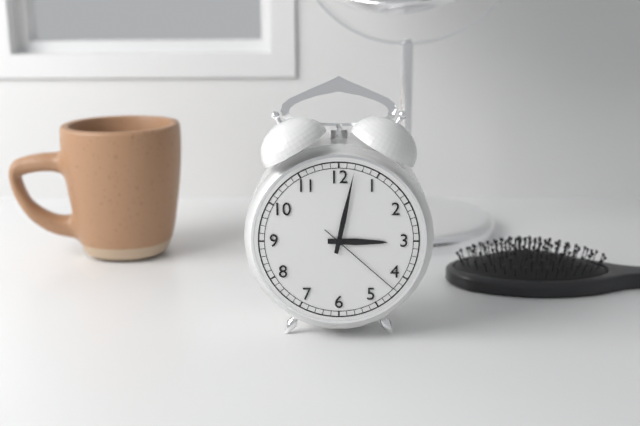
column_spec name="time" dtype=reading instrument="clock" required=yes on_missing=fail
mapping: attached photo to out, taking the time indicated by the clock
3:02:22
